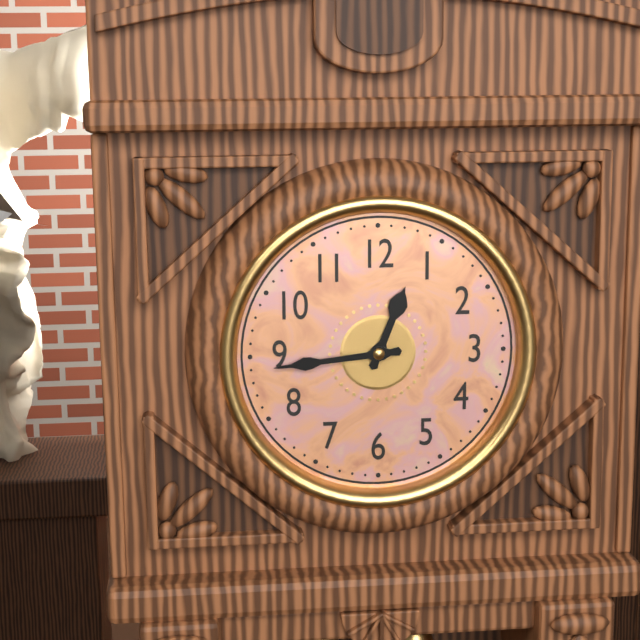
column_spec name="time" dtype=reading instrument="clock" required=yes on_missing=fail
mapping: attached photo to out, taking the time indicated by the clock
12:44
